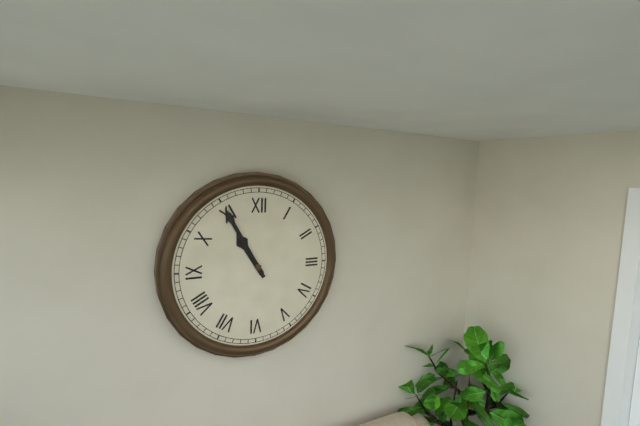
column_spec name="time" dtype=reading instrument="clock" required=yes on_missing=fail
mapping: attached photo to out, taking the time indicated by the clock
10:55
